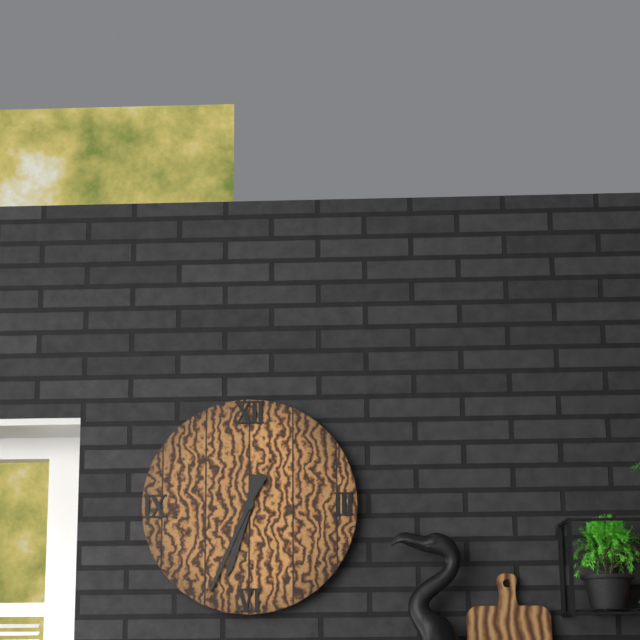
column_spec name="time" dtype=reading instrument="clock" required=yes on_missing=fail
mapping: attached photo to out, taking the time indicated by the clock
6:34
